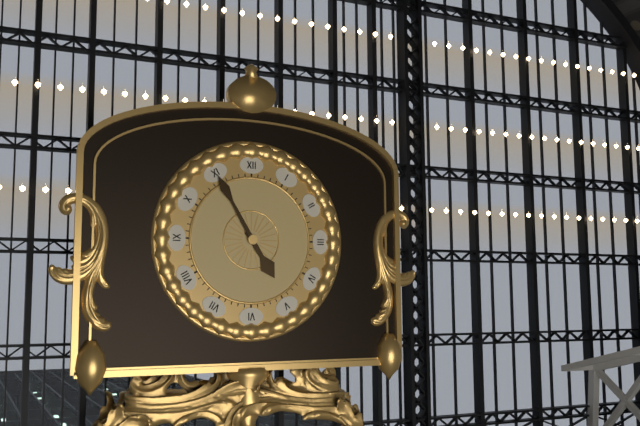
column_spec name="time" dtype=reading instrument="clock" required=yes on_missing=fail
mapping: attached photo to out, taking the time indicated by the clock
4:55
